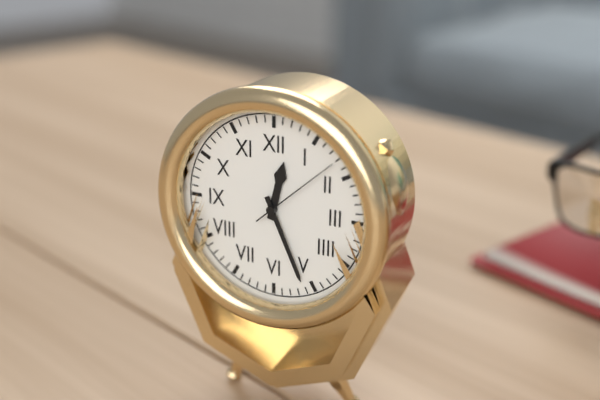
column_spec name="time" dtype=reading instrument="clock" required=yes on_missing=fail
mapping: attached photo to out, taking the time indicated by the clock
12:26:08
